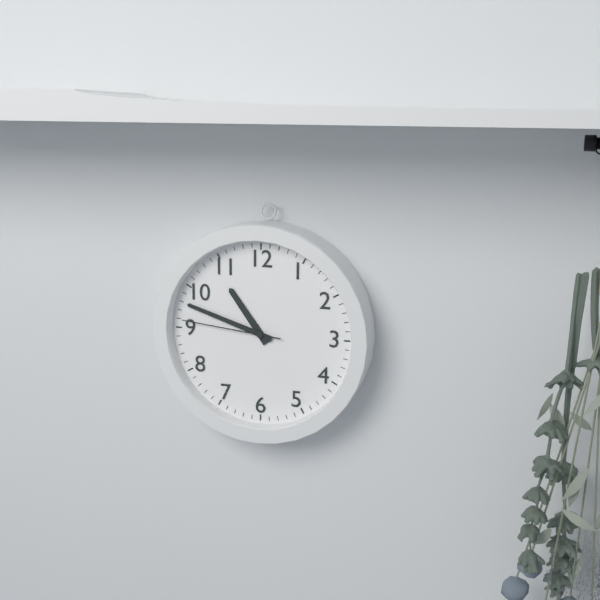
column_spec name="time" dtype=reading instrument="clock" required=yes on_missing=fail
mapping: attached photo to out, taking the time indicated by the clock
10:48:46
